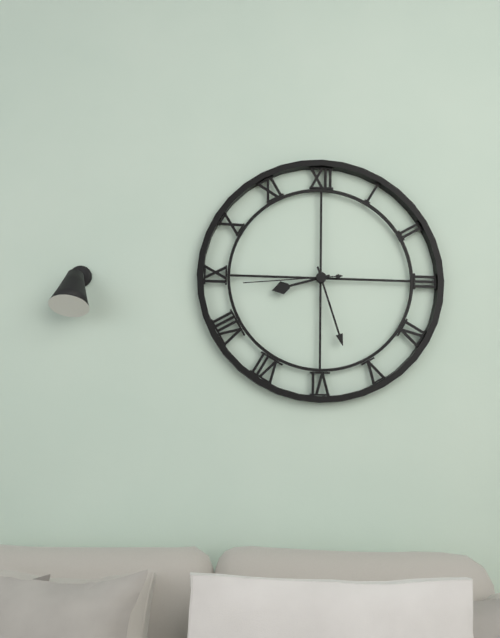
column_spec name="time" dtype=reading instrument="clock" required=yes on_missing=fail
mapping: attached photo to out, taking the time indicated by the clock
8:27:44
